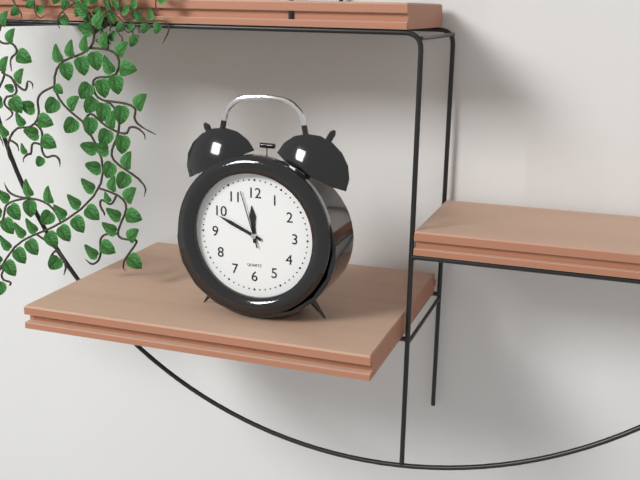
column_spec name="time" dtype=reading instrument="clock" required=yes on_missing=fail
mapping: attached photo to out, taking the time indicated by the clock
11:49:57
